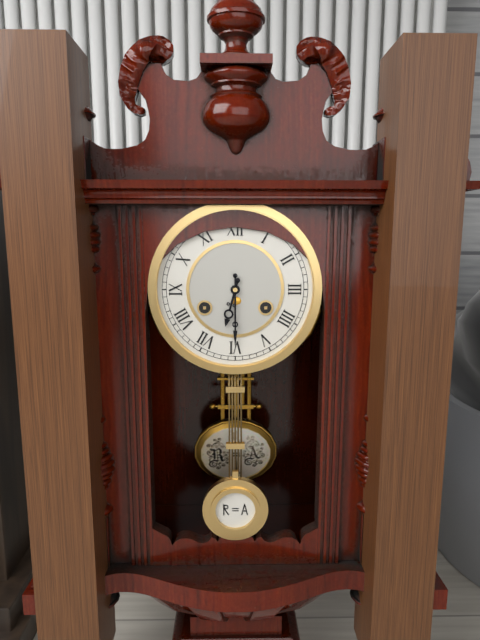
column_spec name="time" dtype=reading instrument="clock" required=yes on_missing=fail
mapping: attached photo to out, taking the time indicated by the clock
6:30
